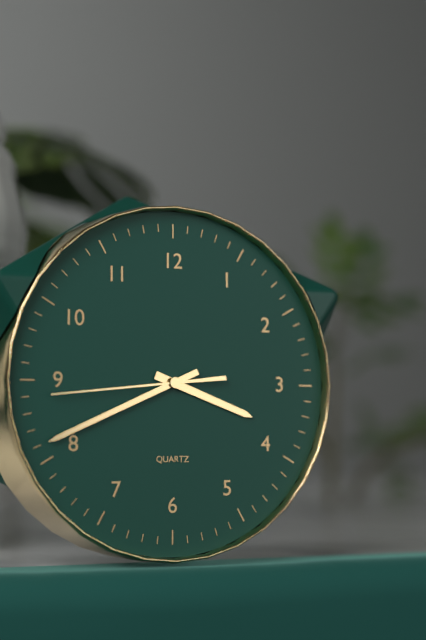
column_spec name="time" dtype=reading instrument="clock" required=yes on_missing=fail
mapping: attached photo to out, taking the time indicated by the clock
3:41:44
